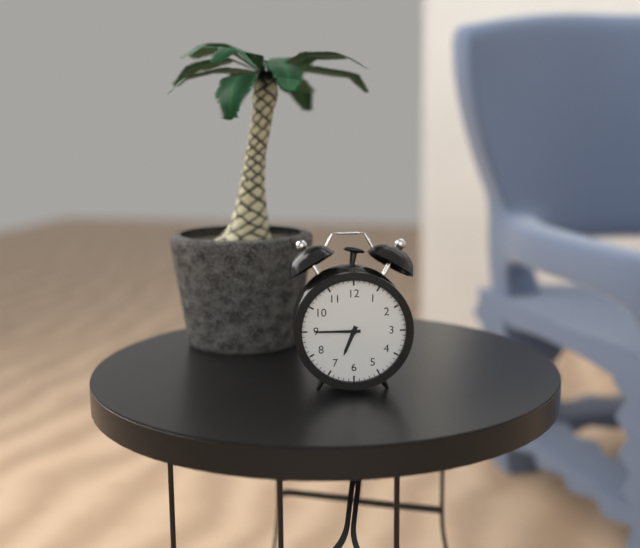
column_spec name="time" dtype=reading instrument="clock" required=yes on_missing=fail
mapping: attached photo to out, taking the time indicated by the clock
6:45
